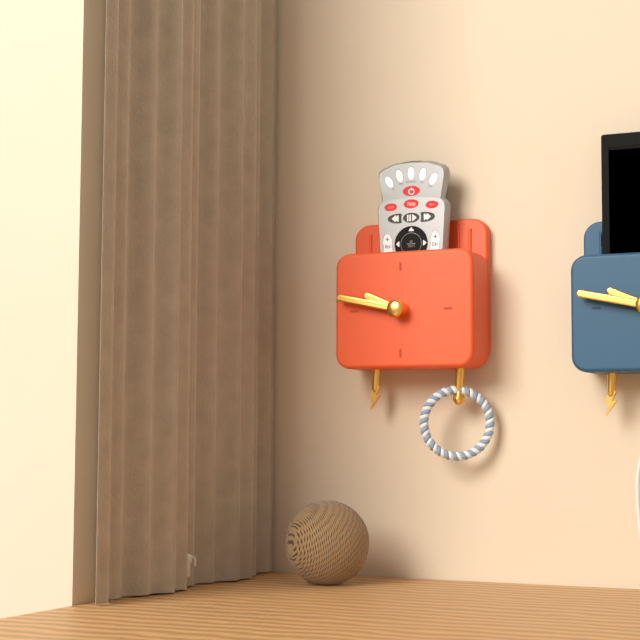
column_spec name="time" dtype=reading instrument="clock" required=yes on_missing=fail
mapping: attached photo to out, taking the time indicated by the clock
9:47
